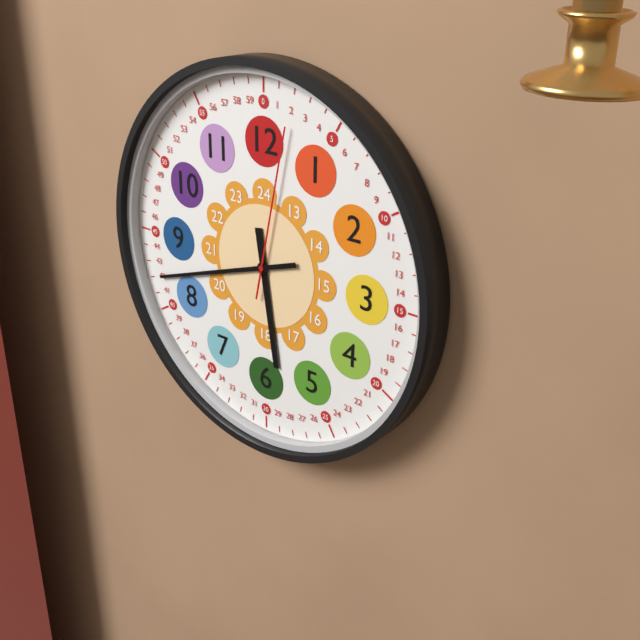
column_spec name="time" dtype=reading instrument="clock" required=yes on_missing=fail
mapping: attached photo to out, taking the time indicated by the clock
5:42:02
